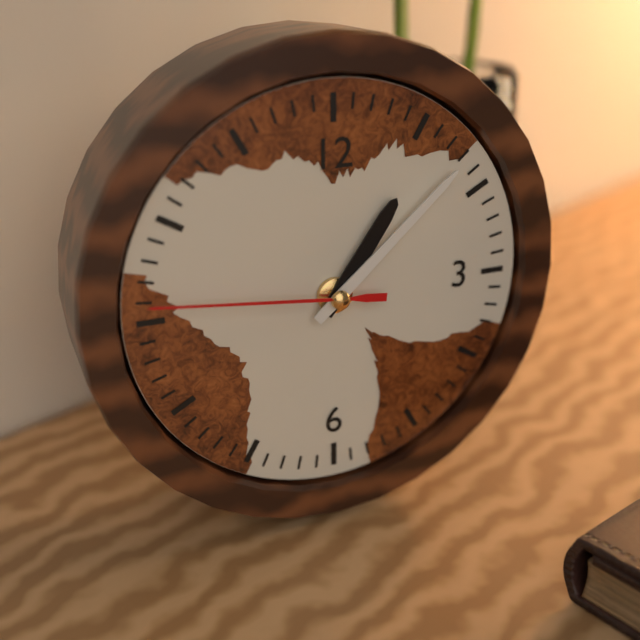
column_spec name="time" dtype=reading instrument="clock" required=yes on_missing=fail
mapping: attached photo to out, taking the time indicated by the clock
1:08:46
